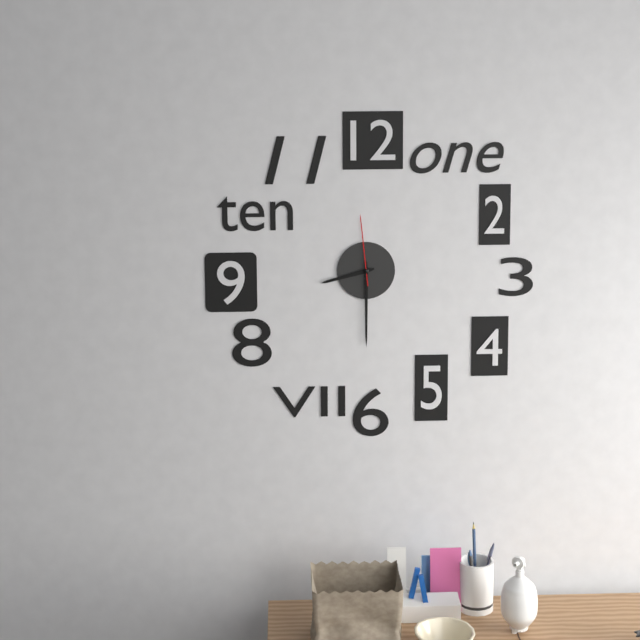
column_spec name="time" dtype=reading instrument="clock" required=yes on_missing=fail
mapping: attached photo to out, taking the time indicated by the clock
8:30:59
